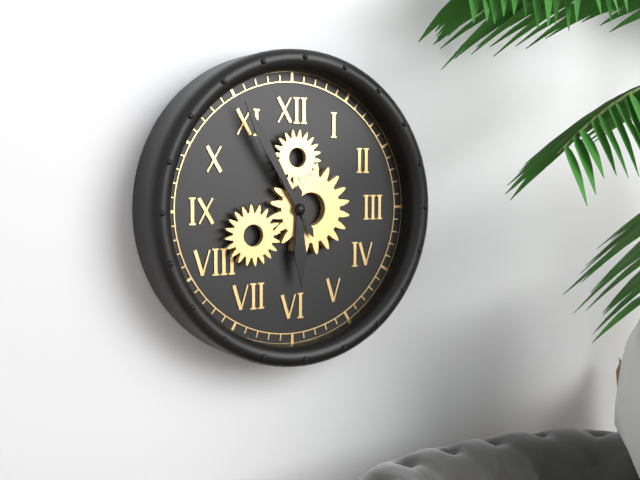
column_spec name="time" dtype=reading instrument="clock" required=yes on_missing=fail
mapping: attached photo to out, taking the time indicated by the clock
5:55
